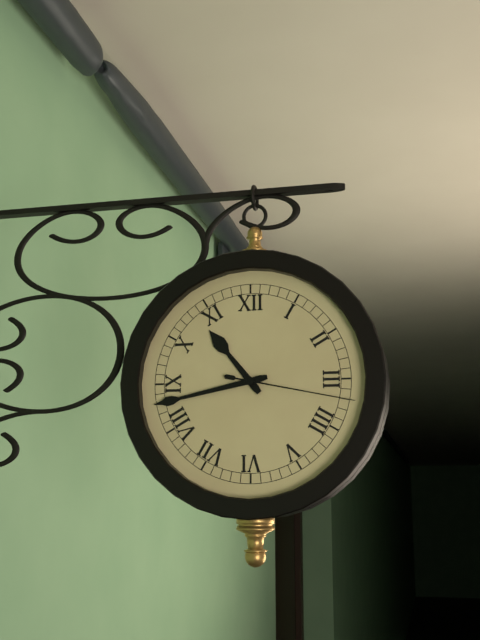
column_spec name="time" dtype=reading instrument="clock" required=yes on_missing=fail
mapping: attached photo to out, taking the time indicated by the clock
10:43:17
